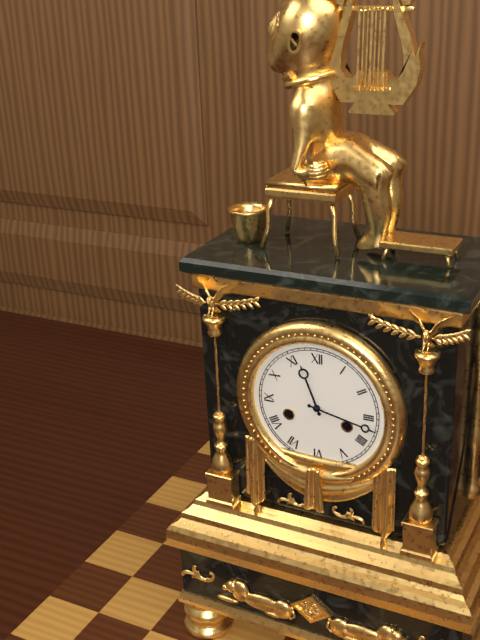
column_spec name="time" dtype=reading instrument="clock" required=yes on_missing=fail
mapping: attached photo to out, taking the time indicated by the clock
11:17
